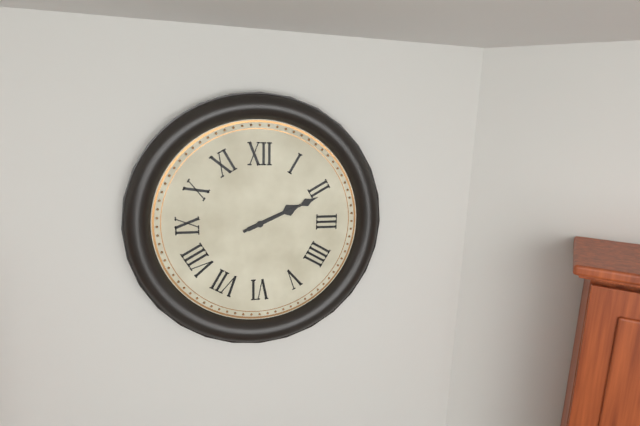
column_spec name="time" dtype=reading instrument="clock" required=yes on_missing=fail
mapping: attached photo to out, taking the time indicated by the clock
2:11
